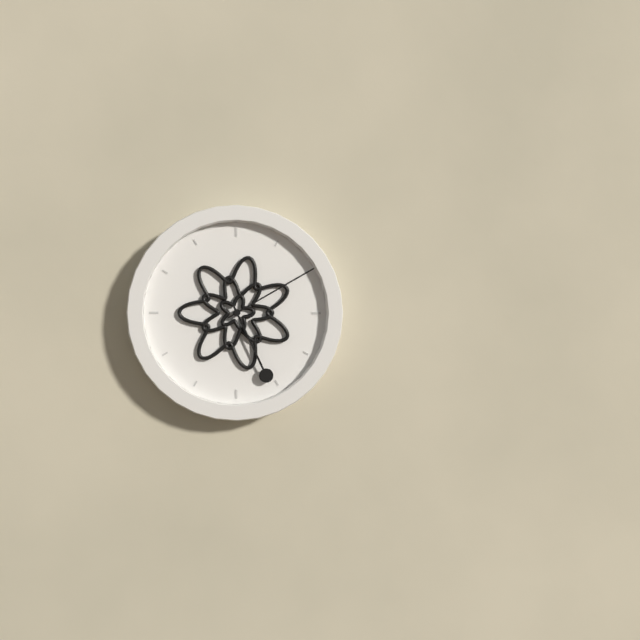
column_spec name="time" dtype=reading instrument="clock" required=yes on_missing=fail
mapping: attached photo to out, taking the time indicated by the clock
5:10
